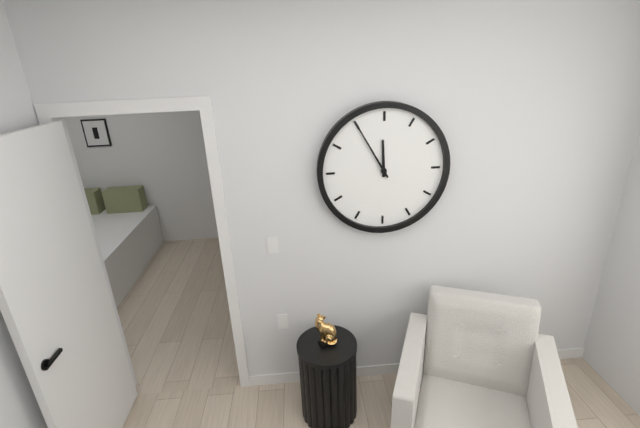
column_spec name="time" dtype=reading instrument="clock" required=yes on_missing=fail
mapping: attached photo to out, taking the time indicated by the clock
11:55
